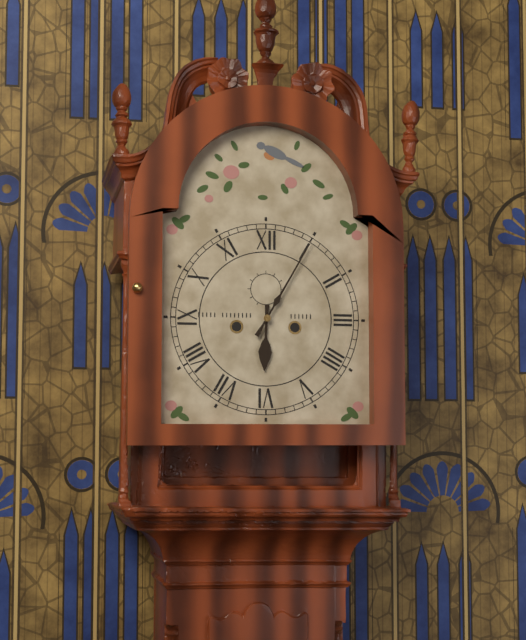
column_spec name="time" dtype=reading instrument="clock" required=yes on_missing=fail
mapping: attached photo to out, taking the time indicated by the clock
6:05
